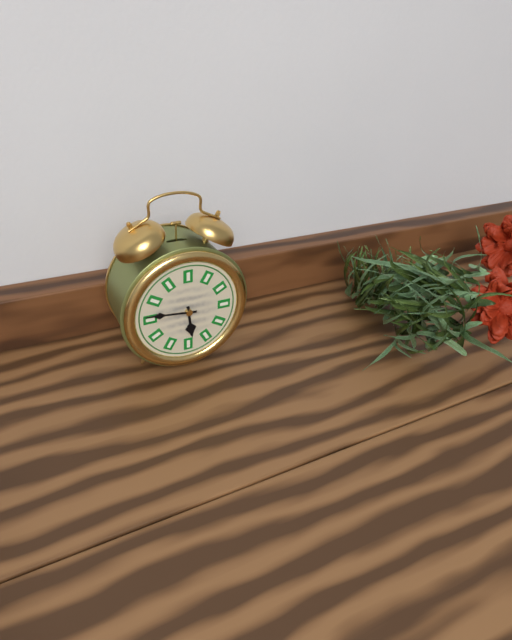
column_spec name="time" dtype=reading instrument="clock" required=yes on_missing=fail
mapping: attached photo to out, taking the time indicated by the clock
5:46
